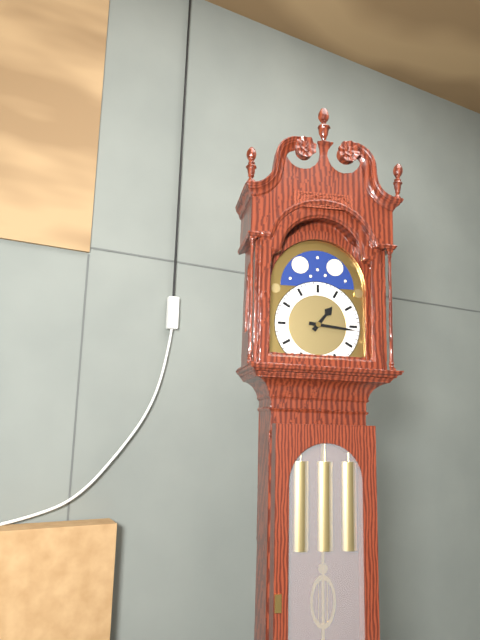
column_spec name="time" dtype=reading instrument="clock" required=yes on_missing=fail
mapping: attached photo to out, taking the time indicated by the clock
1:16
